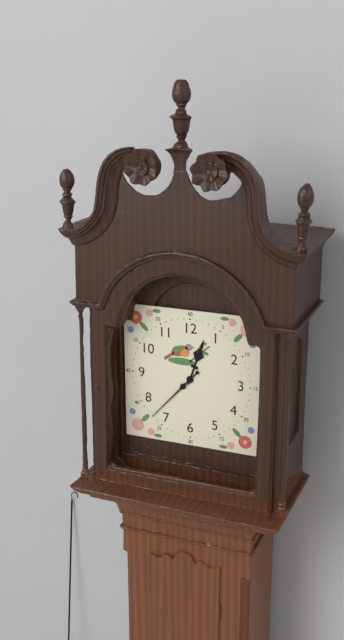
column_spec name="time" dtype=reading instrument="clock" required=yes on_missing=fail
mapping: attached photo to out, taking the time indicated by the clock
12:37
